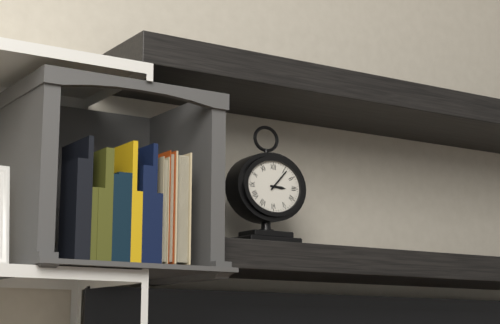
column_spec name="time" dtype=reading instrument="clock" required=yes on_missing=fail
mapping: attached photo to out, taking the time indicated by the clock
3:07
